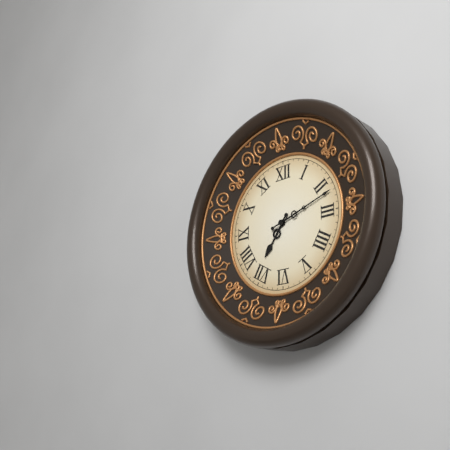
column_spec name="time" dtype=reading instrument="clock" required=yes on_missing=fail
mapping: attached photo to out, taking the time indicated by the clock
7:12
